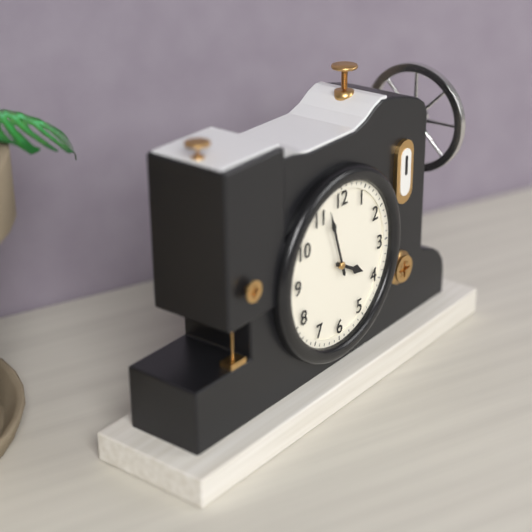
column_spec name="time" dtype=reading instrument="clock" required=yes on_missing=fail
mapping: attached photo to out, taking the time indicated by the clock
3:57
